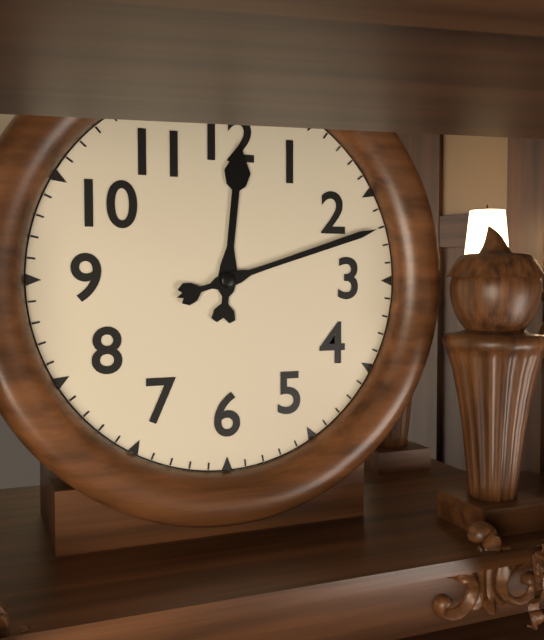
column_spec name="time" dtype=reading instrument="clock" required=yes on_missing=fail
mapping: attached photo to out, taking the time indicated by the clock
12:12
